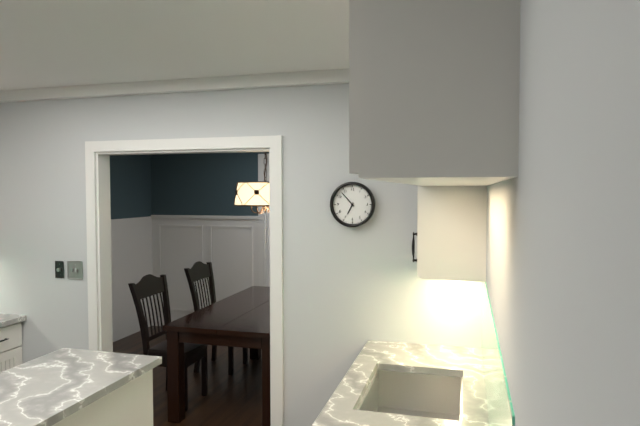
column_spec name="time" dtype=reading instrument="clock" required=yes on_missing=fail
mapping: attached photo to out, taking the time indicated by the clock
6:53
